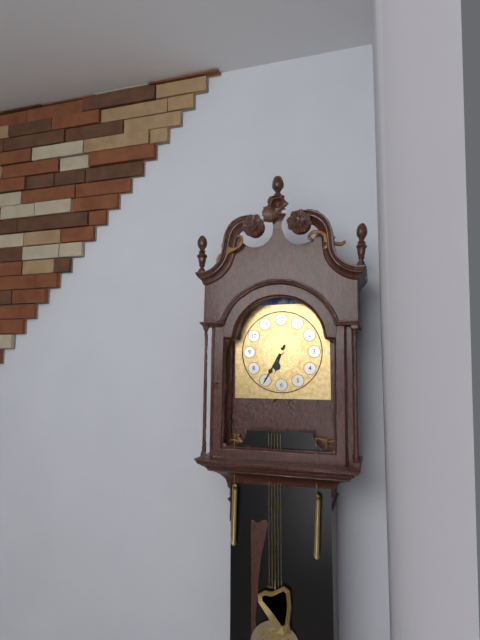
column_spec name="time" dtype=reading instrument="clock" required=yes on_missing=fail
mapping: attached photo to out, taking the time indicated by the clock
6:35
